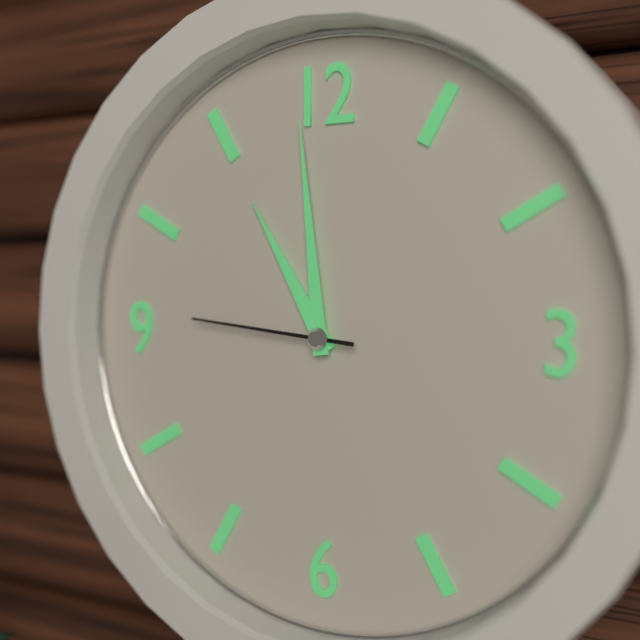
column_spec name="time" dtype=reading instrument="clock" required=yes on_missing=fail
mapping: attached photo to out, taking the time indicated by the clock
10:59:46
